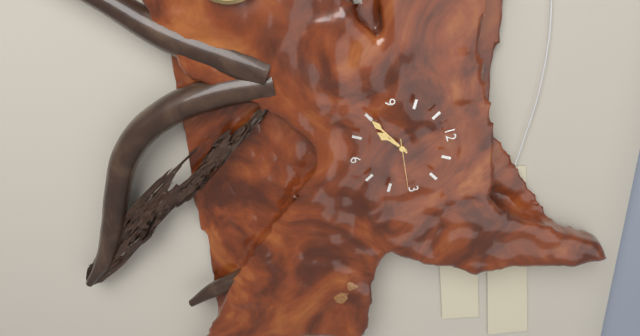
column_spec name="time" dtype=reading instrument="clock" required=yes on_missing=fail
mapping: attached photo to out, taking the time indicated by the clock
7:40:16
